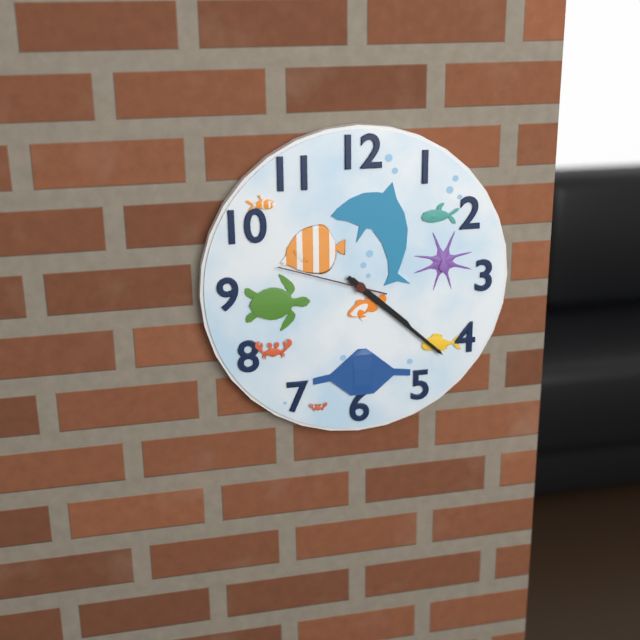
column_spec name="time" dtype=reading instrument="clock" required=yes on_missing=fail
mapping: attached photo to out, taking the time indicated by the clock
4:22:48
